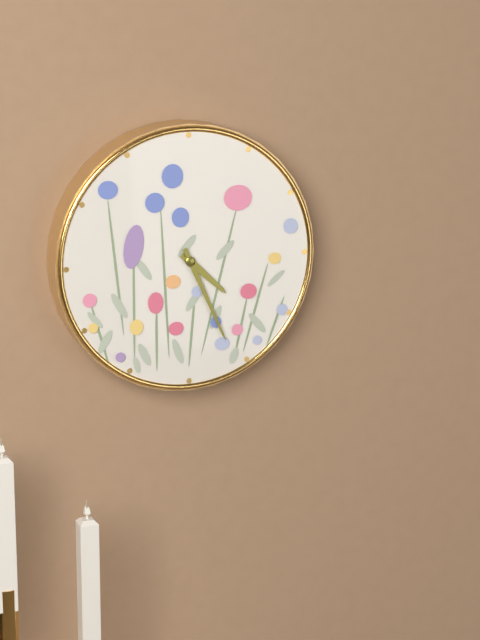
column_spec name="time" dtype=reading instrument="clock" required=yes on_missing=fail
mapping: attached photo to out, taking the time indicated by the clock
4:26
